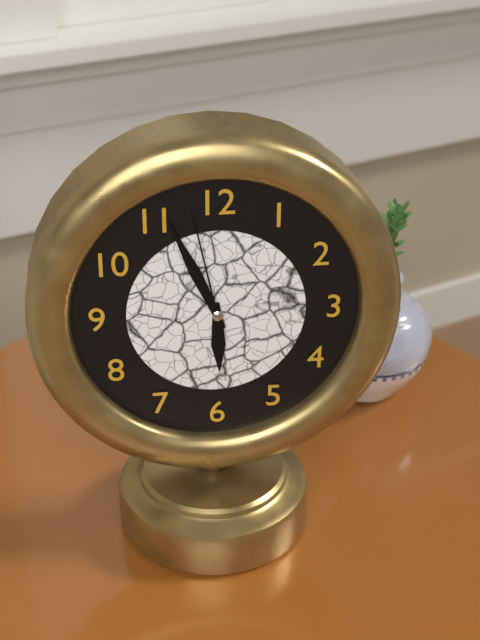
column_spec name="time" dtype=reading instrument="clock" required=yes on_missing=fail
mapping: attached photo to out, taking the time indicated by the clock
5:56:58
